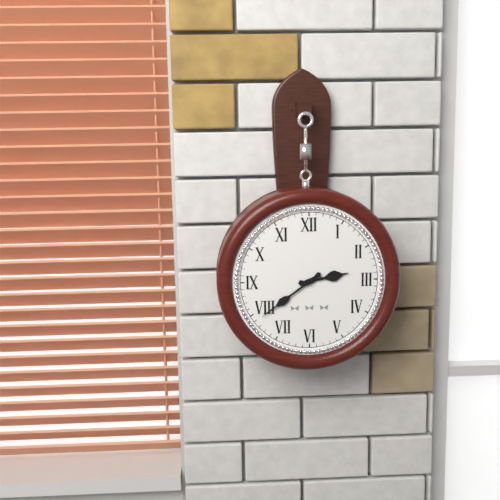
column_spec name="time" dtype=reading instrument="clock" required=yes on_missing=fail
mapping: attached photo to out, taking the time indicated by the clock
2:39
